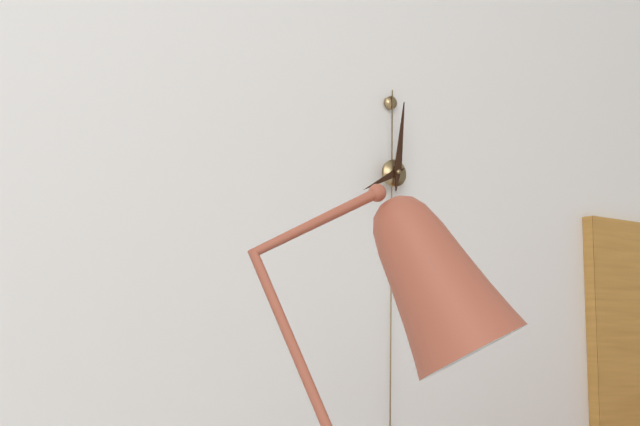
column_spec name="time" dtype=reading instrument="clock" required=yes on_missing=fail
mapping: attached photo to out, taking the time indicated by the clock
8:01
